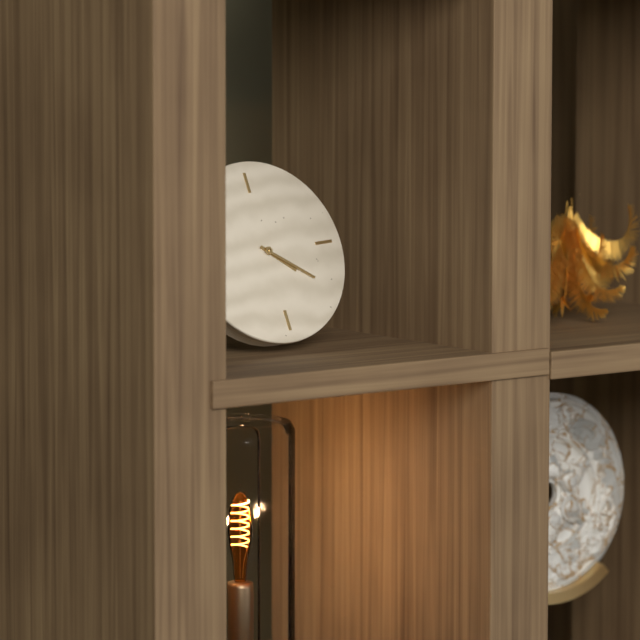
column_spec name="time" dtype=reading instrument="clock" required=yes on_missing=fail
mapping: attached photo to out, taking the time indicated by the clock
4:21
